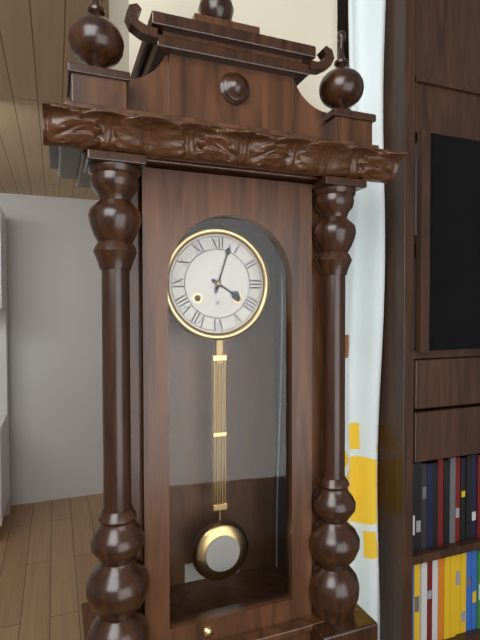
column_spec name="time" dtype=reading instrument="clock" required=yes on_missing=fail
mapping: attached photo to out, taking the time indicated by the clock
4:03
